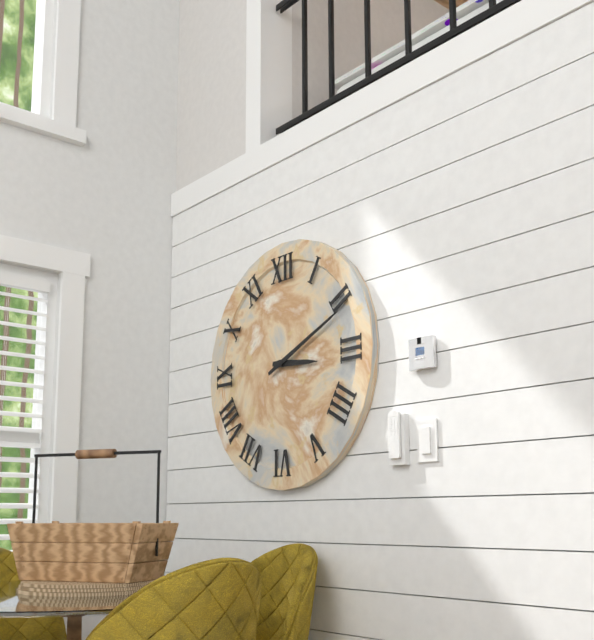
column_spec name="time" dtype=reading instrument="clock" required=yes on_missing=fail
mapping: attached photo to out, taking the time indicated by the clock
3:11
